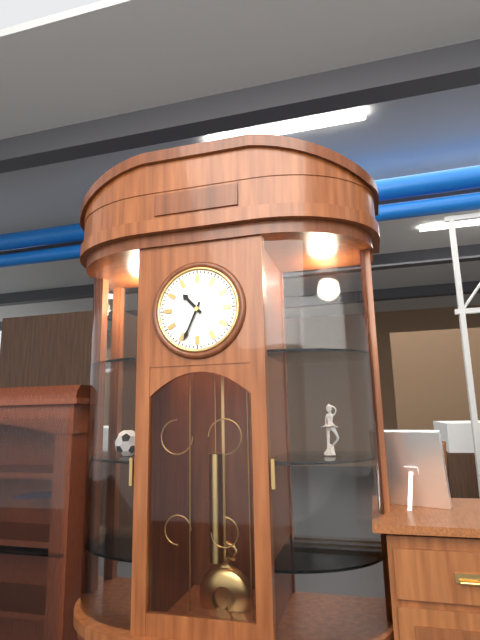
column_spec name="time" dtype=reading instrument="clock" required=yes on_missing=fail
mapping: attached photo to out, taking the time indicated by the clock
10:34
